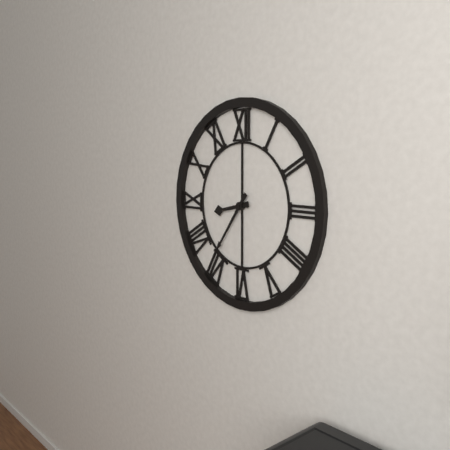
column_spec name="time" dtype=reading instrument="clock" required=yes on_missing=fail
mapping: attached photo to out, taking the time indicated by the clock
8:36
